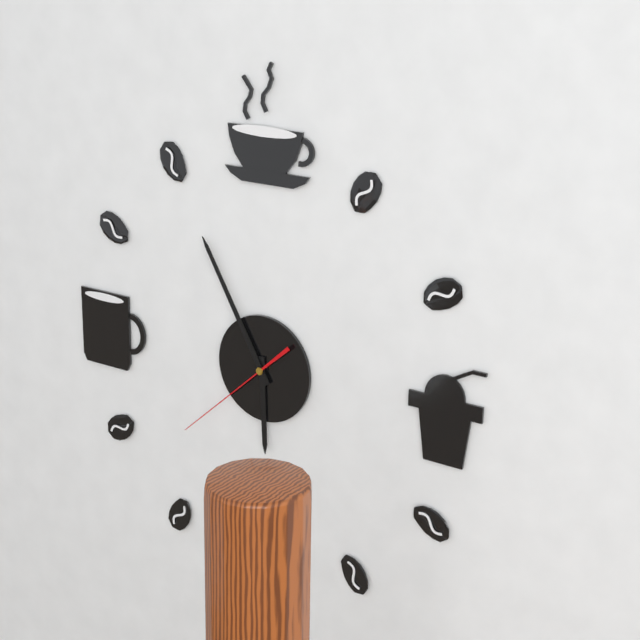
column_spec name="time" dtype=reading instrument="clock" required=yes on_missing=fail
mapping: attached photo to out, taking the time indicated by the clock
5:55:38
